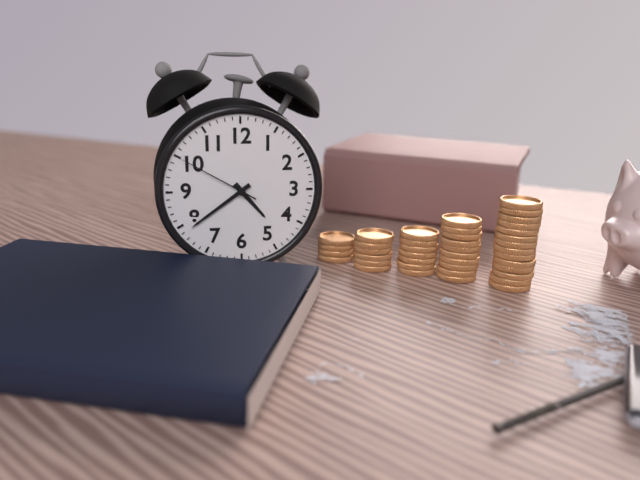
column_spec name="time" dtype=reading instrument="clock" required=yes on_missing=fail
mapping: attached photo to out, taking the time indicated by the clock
4:39:50
